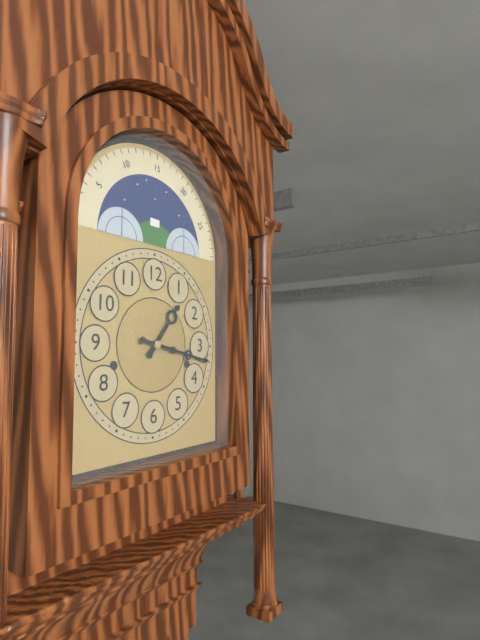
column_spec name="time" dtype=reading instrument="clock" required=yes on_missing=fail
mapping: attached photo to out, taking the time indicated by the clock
1:17
